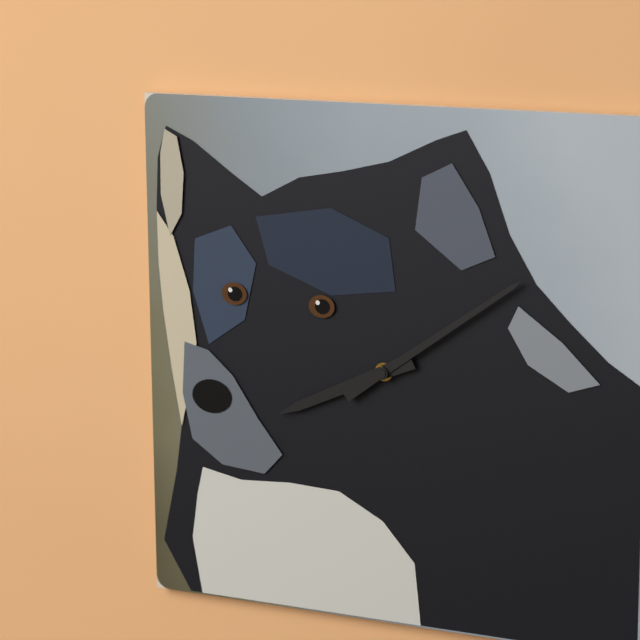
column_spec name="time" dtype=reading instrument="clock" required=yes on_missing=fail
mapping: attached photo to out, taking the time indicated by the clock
8:09
